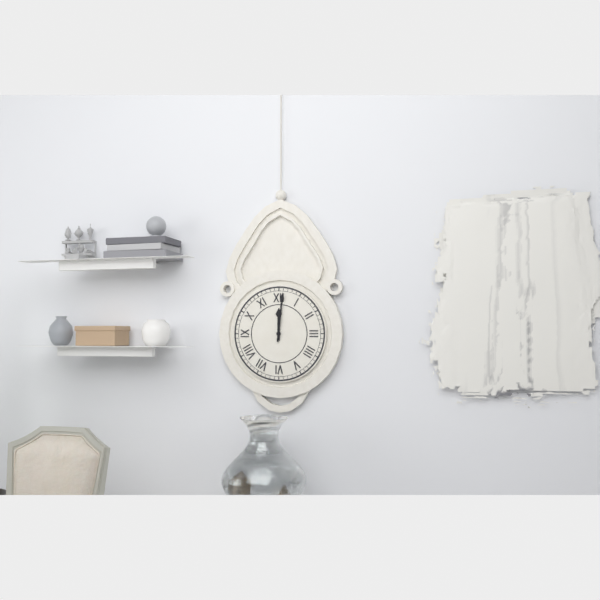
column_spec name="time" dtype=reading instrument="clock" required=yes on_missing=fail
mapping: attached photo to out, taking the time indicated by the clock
12:01
